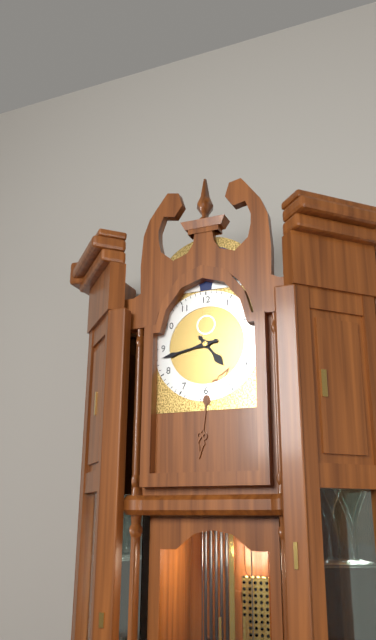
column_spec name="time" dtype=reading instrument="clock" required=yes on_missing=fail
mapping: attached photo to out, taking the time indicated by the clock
4:43
